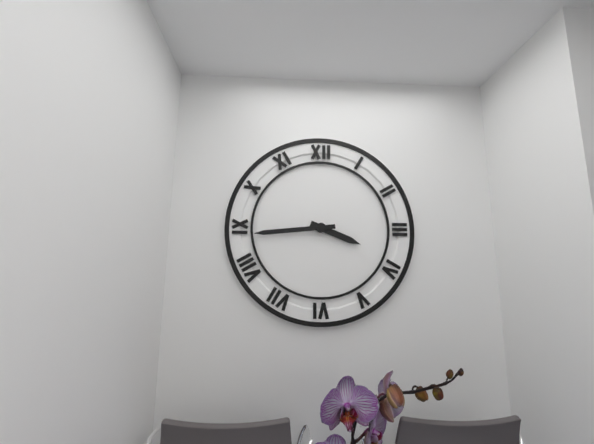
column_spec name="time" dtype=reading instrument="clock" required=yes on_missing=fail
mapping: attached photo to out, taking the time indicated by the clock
3:44
